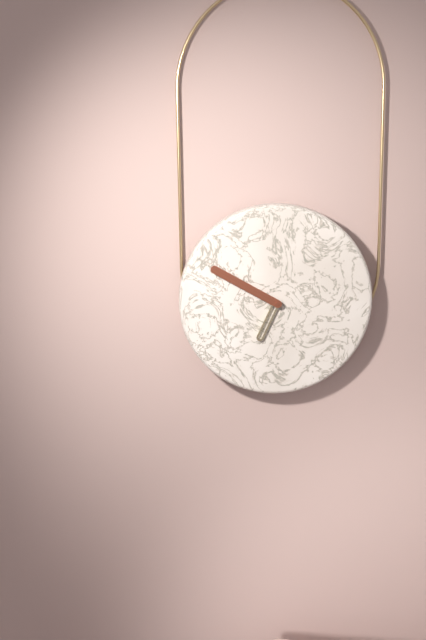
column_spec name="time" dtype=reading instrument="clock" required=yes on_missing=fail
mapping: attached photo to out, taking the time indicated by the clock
6:50
